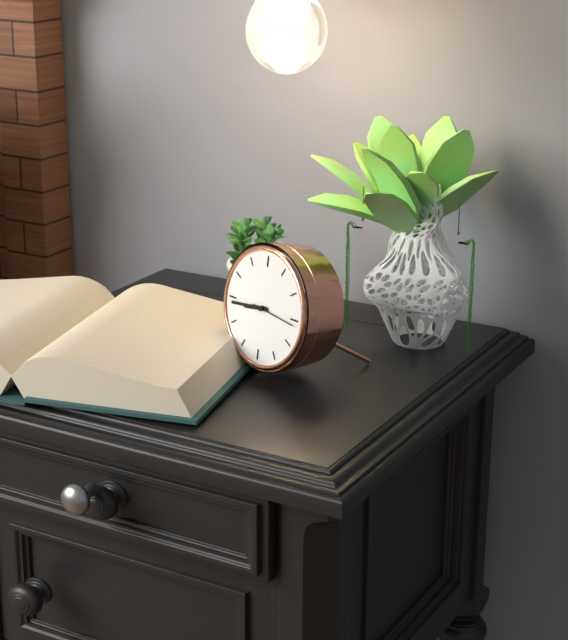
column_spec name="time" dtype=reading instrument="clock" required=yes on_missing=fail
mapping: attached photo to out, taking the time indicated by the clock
8:44
